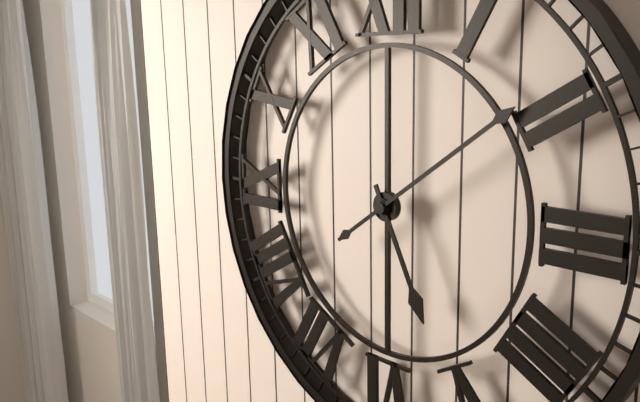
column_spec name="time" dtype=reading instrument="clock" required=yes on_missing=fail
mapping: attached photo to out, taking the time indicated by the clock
5:09
